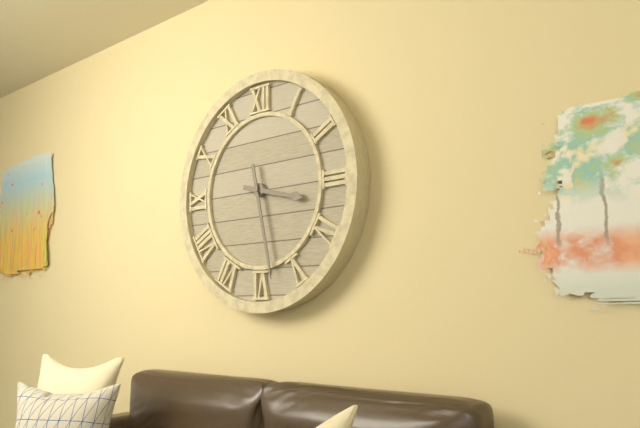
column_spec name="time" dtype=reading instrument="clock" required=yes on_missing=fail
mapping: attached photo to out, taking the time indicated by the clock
3:28
